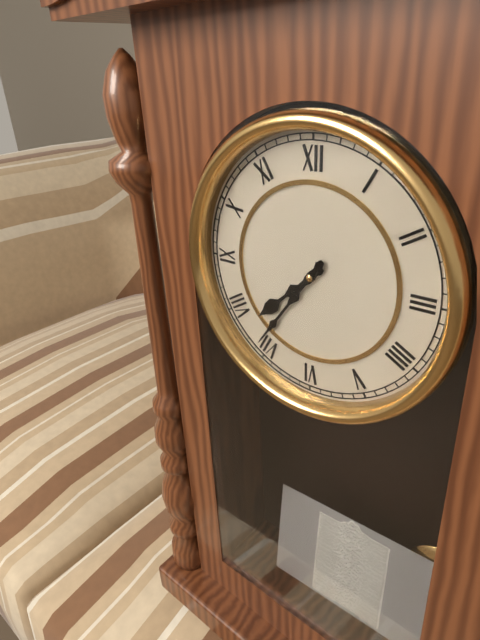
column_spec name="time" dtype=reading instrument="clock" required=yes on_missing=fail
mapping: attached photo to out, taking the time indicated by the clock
7:36
